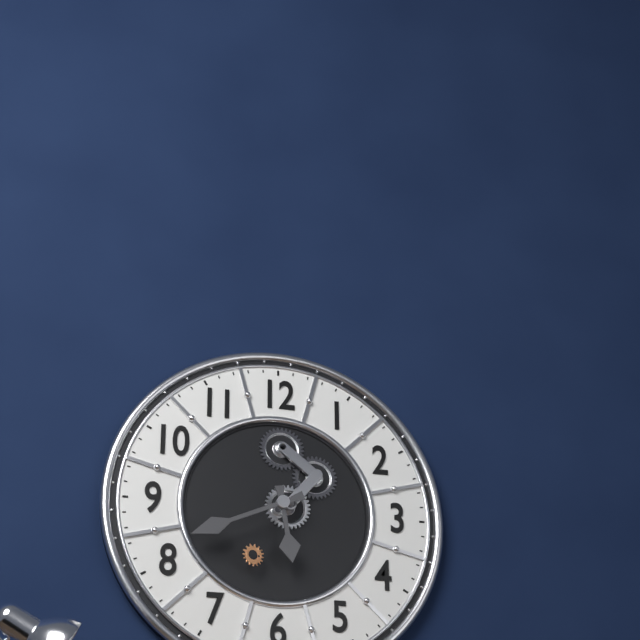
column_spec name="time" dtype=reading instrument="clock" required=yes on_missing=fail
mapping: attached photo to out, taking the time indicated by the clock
5:41
